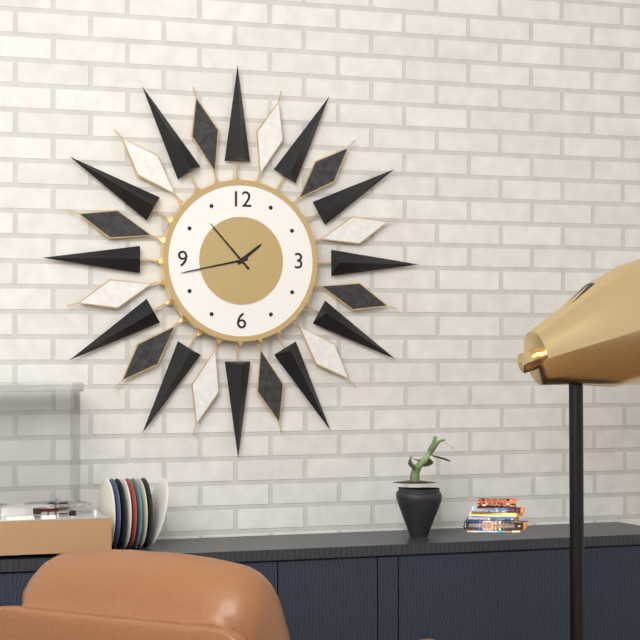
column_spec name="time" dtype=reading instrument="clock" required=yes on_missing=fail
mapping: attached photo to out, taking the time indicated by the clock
1:43:53
